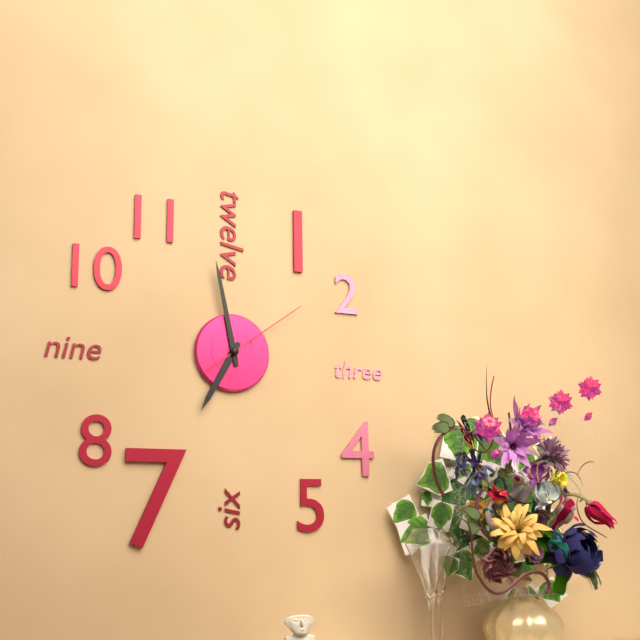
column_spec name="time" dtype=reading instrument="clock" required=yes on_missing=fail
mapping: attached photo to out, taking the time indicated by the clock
6:58:09
